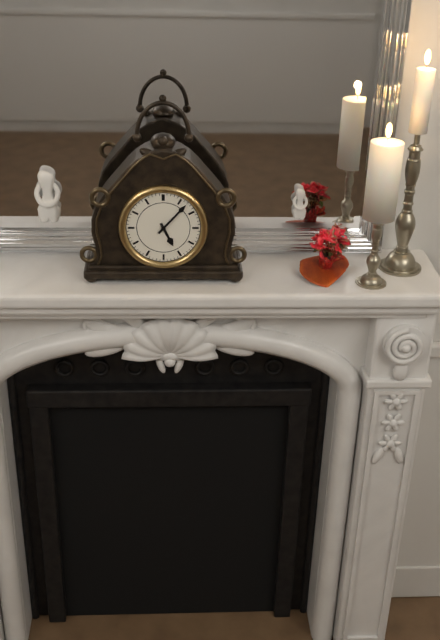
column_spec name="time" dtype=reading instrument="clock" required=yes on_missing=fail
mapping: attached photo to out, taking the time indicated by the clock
5:07
